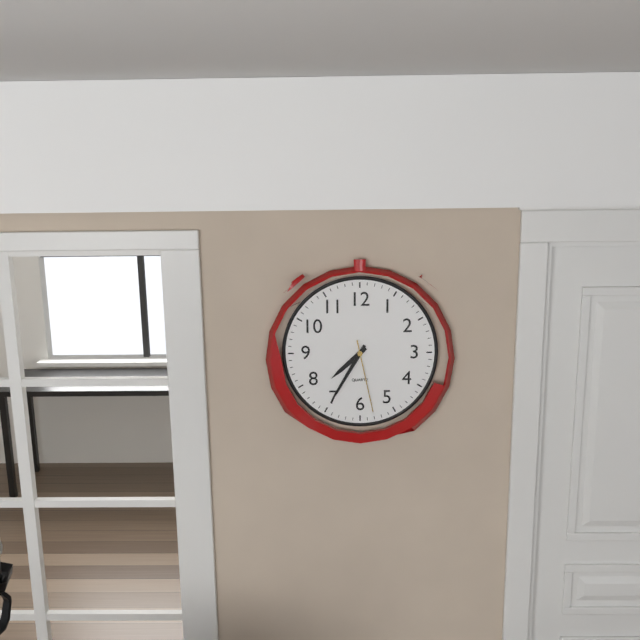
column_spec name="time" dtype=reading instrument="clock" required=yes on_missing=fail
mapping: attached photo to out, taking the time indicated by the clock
7:35:28
